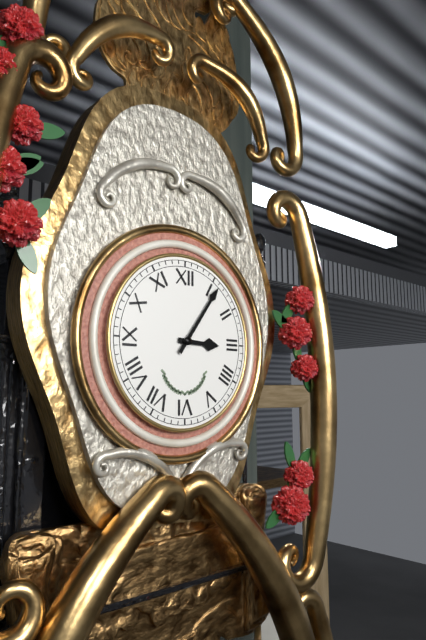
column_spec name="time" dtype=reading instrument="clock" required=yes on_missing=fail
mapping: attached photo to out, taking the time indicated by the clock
3:06
